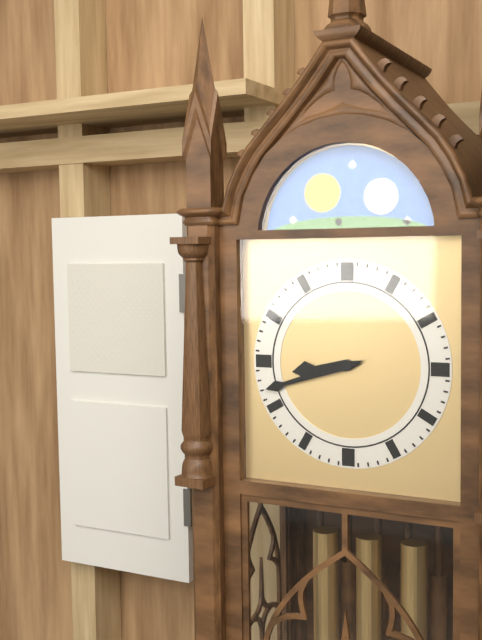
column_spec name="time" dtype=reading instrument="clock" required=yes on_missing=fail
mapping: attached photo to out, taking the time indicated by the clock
8:42
